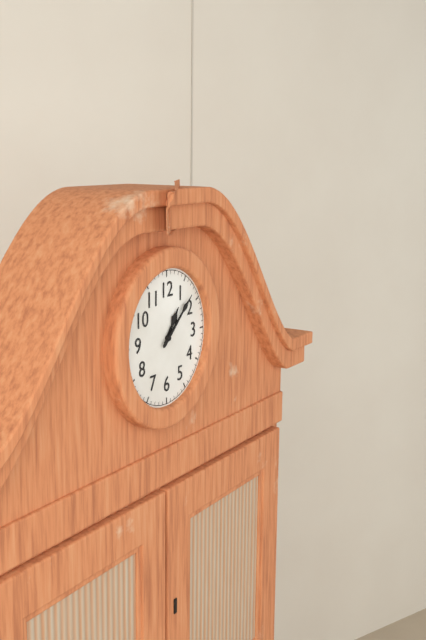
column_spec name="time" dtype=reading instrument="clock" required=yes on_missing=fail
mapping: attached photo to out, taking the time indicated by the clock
1:08
